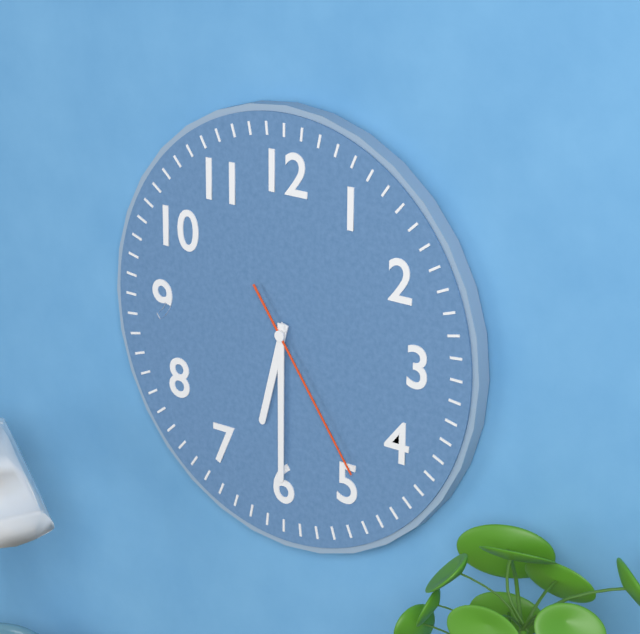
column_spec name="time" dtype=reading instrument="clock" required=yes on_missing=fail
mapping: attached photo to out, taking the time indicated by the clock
6:30:24
